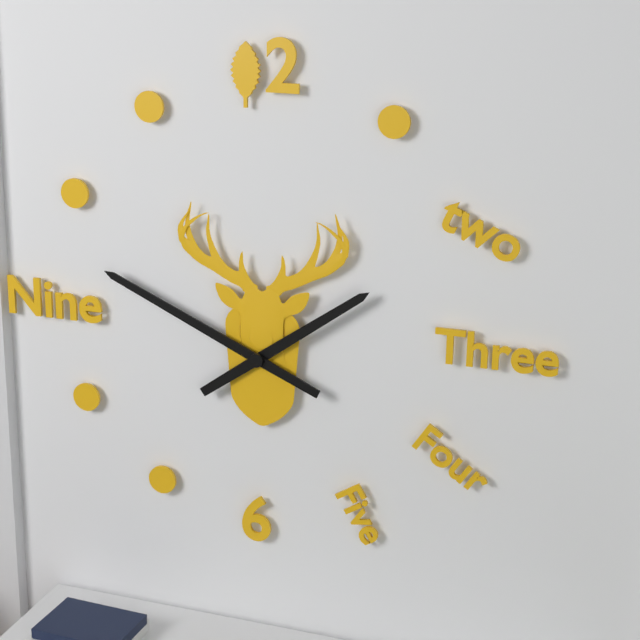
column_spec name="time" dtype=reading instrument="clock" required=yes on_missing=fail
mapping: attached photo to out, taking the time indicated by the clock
1:49
